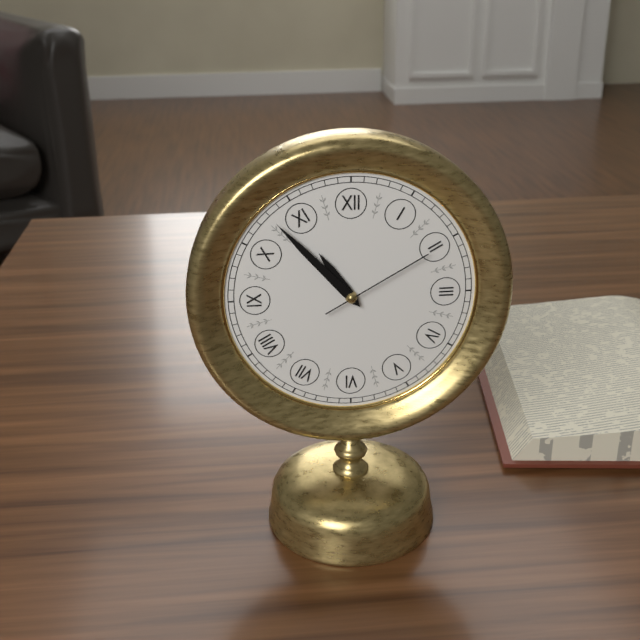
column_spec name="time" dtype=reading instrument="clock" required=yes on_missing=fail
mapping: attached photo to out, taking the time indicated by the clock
10:53:10
